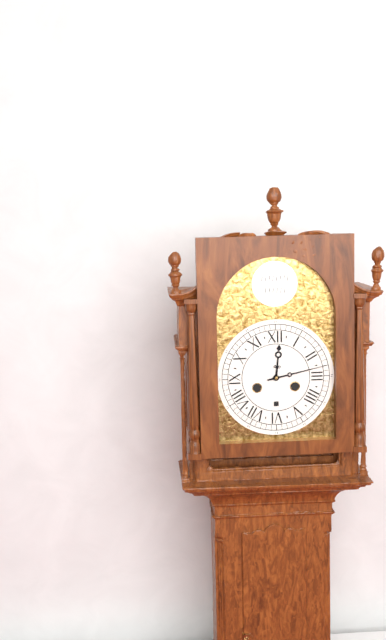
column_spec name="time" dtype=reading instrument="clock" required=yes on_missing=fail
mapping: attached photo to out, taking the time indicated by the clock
12:13
